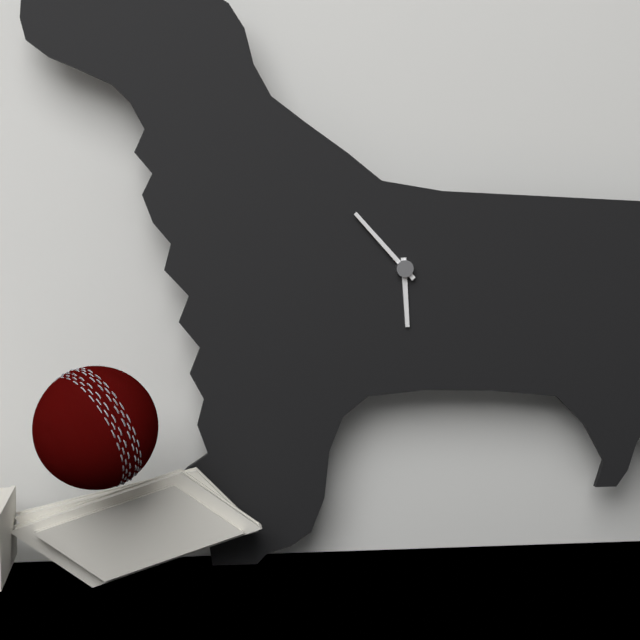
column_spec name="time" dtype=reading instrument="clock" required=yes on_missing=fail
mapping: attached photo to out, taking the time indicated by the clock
5:53
